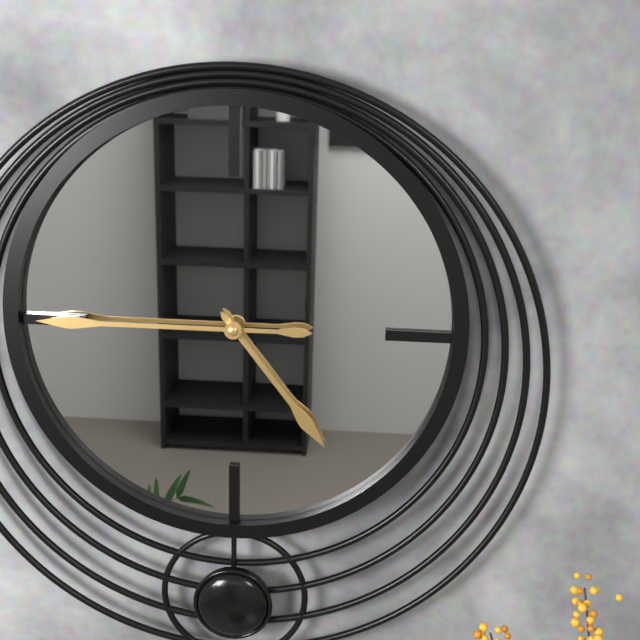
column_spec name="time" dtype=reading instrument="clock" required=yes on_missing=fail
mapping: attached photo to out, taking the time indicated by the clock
4:45
